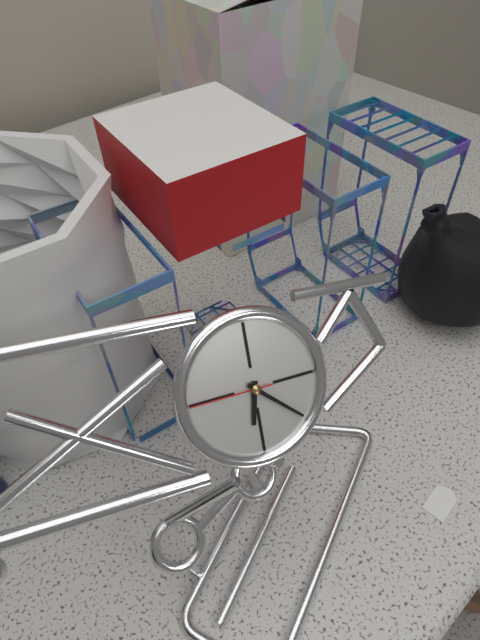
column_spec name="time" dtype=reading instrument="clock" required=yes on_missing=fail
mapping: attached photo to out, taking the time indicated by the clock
6:22:45
